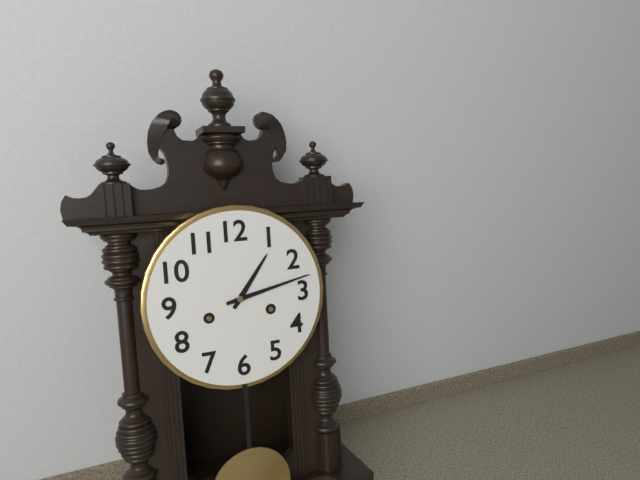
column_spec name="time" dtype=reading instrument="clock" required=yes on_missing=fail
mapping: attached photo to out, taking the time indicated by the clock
1:13
